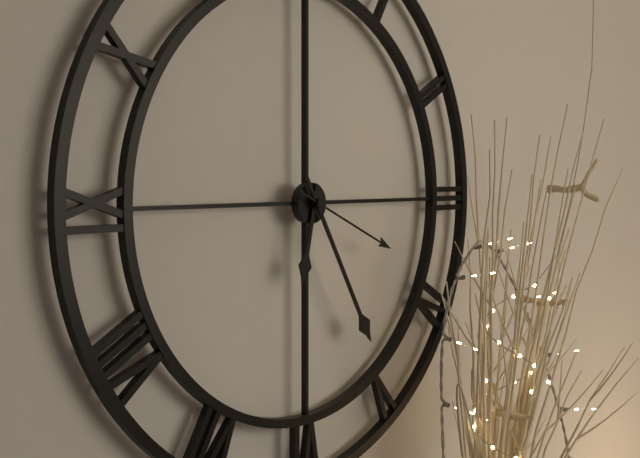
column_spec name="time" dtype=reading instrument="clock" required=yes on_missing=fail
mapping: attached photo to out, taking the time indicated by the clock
6:25:19
